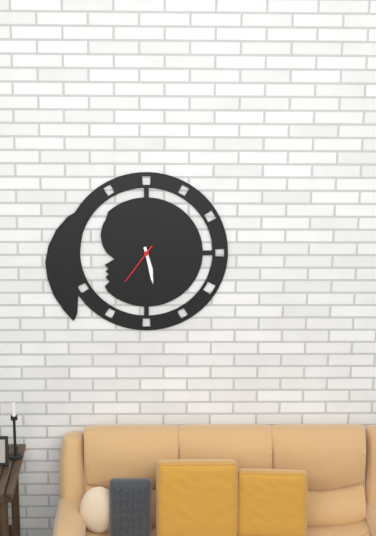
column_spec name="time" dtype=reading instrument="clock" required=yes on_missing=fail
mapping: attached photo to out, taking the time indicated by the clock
5:28
